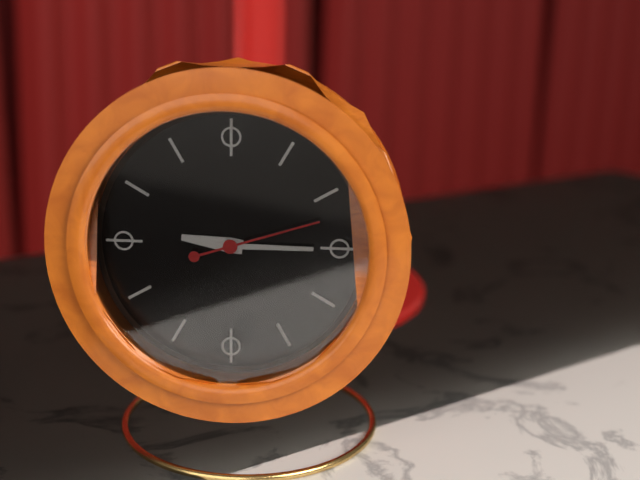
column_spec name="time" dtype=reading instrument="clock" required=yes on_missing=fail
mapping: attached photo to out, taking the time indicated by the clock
9:15:12
